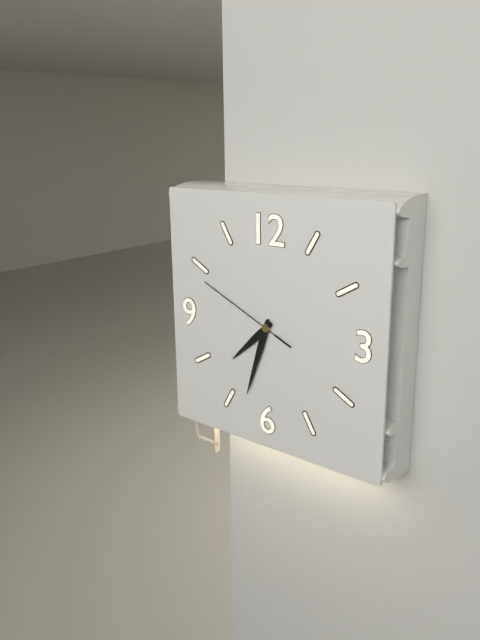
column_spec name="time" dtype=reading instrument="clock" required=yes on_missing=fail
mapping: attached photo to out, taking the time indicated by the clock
7:33:49
